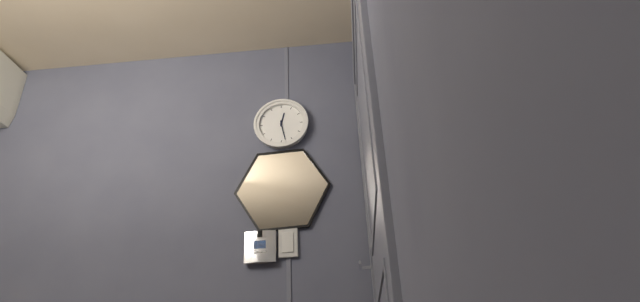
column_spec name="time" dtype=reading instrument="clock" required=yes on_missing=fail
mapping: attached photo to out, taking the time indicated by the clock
12:28
